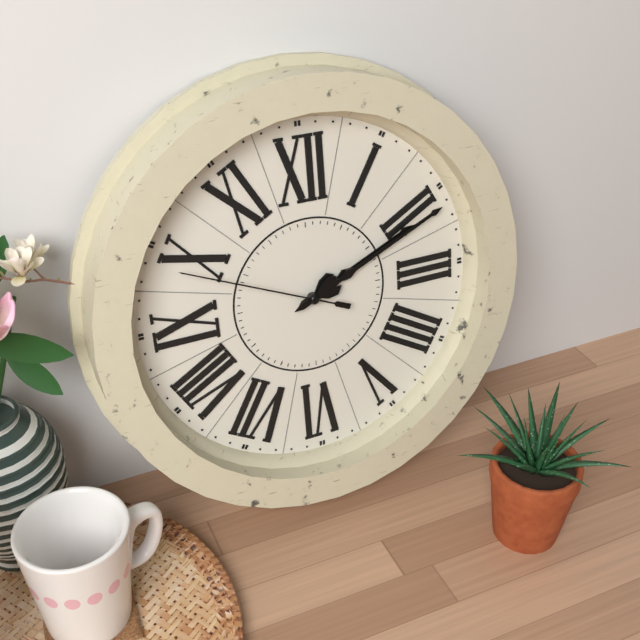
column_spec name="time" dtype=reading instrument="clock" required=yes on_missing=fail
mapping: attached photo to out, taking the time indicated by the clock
2:11:49
